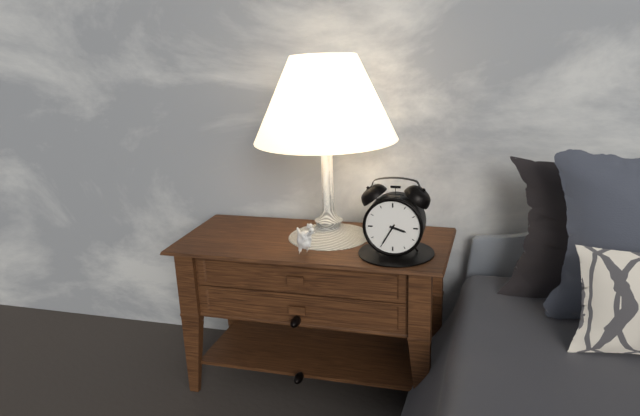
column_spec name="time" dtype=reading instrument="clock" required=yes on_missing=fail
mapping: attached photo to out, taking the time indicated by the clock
3:35
